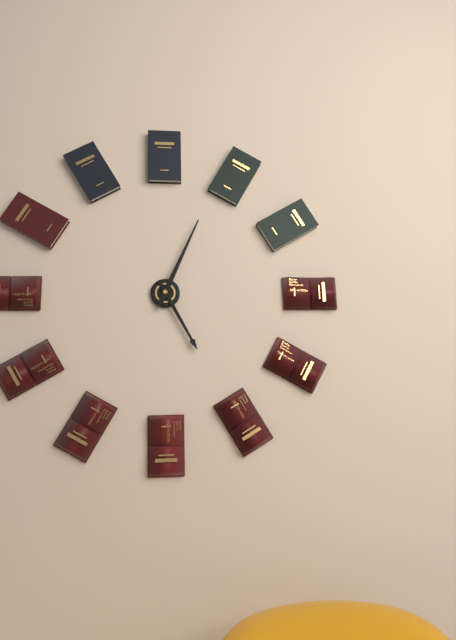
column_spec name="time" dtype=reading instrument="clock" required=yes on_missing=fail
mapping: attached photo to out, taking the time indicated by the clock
5:04
